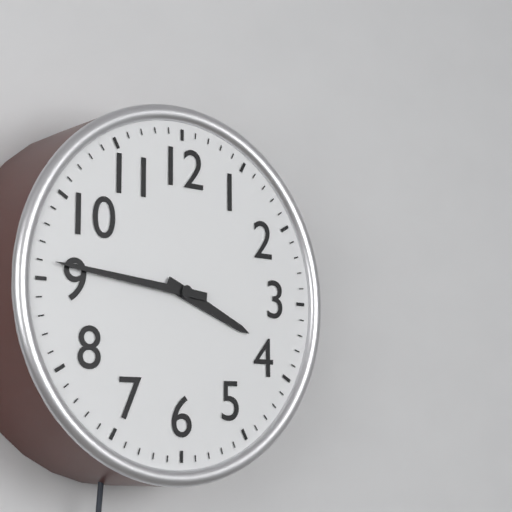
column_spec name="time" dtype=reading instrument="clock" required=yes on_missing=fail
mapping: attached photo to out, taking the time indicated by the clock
3:46
